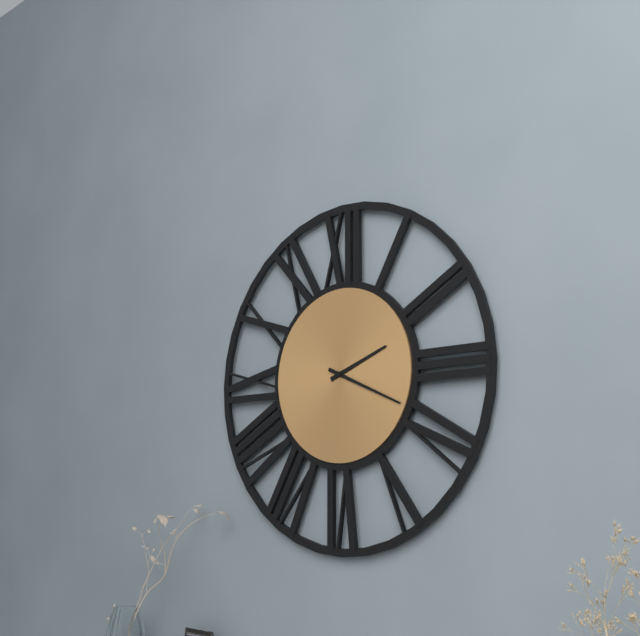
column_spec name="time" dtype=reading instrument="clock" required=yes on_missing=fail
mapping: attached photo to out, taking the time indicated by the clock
2:19
